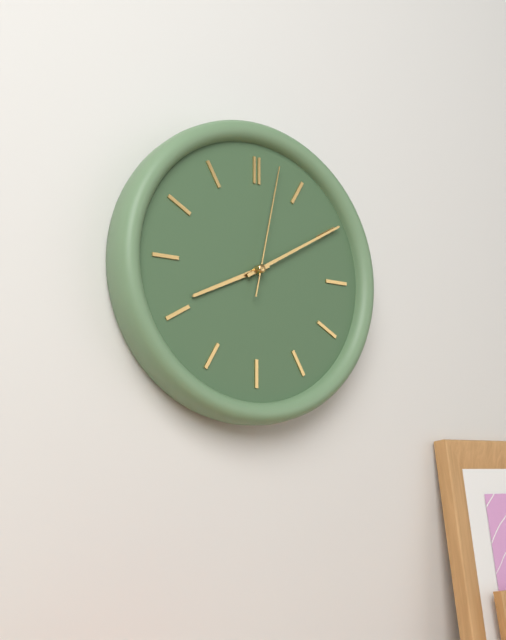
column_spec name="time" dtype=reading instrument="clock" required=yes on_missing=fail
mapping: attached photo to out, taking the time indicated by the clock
8:10:02
